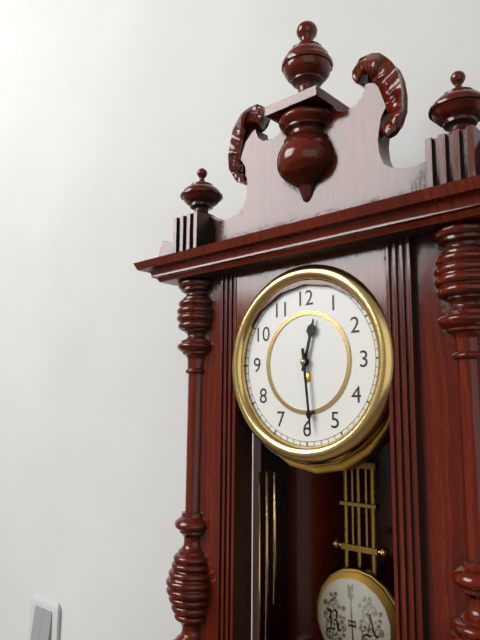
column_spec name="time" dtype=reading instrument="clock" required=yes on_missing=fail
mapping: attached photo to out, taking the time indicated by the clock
12:29
